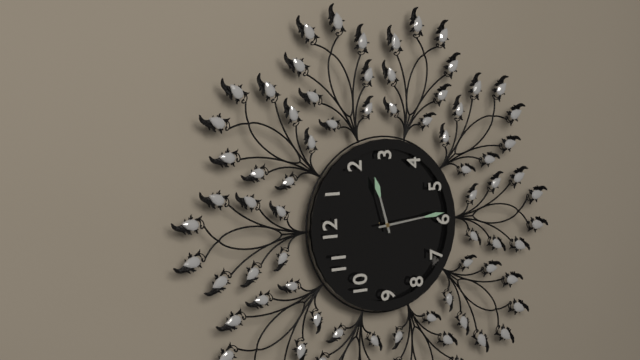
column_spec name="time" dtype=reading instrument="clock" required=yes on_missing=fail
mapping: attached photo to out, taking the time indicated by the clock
2:29
